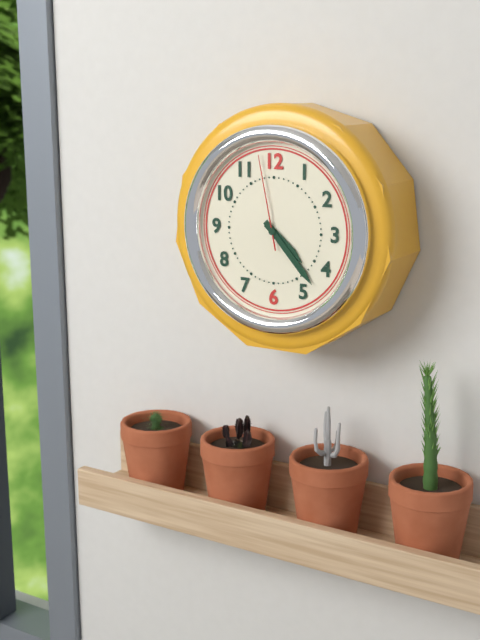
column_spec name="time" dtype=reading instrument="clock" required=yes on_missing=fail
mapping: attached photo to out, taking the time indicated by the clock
4:23:58
